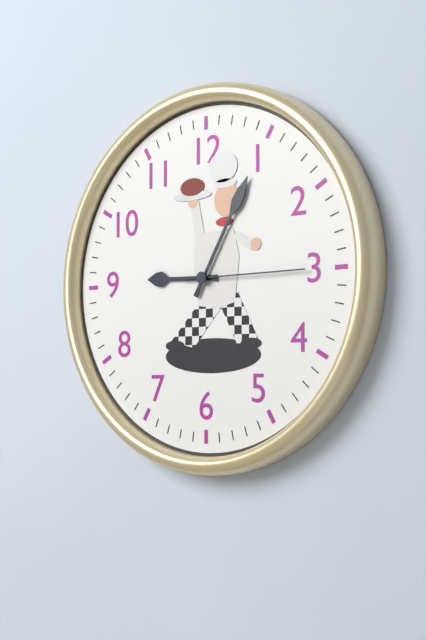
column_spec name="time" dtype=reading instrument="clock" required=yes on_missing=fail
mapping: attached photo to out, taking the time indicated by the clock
9:05:15
